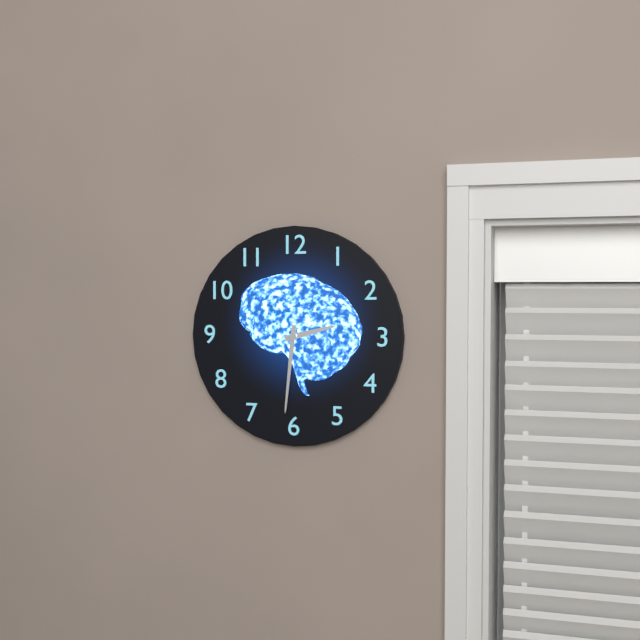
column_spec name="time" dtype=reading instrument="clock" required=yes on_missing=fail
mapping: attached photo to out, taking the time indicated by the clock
2:31
